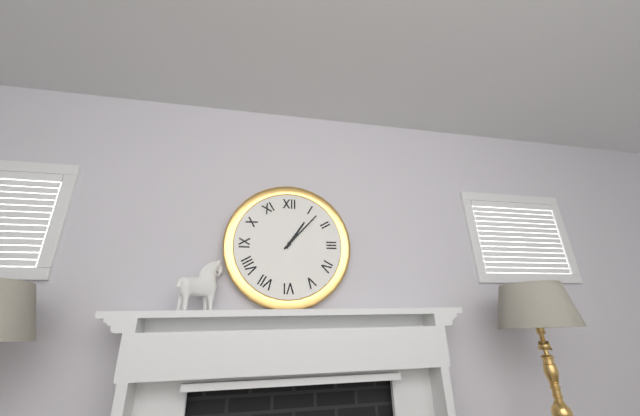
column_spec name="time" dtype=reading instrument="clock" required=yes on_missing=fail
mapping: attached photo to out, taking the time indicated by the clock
1:07
